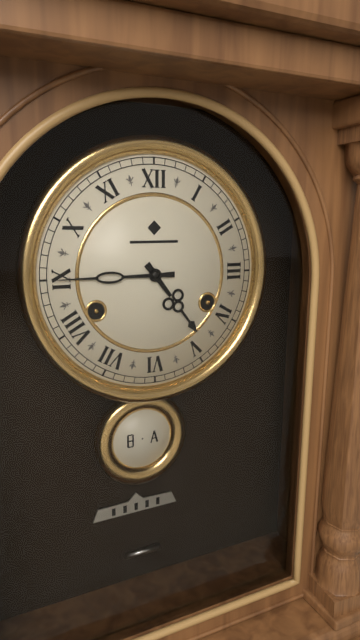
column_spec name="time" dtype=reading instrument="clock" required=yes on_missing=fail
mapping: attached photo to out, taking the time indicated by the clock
4:45
